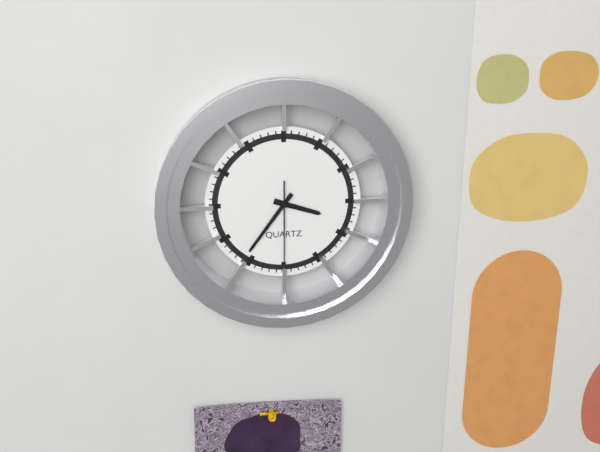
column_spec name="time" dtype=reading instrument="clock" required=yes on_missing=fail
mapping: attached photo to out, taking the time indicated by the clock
3:36:30
